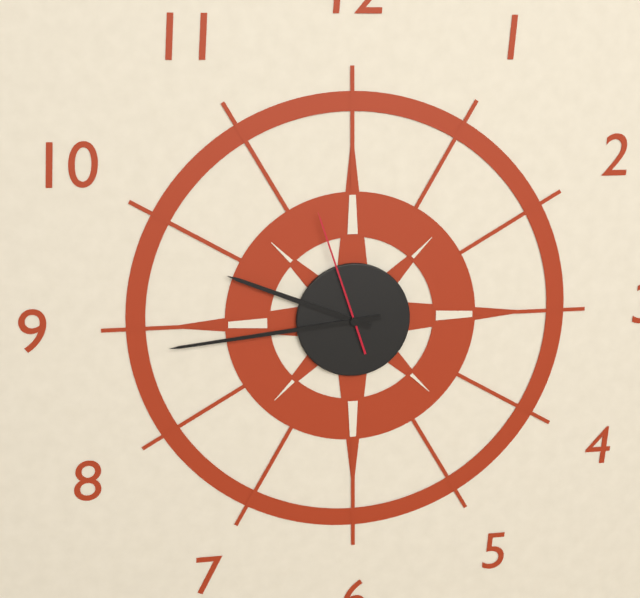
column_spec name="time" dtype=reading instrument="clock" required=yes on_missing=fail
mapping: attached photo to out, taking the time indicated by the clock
9:44:57
